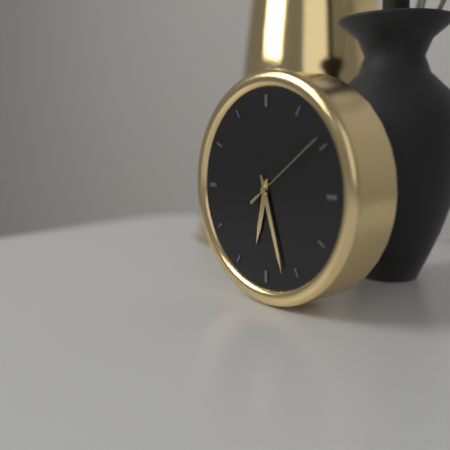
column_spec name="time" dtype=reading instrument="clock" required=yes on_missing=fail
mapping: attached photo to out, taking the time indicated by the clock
6:27:09
